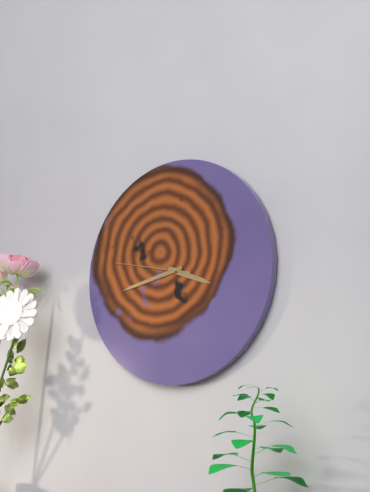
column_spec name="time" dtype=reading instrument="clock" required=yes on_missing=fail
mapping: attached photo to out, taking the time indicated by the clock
3:43:47
